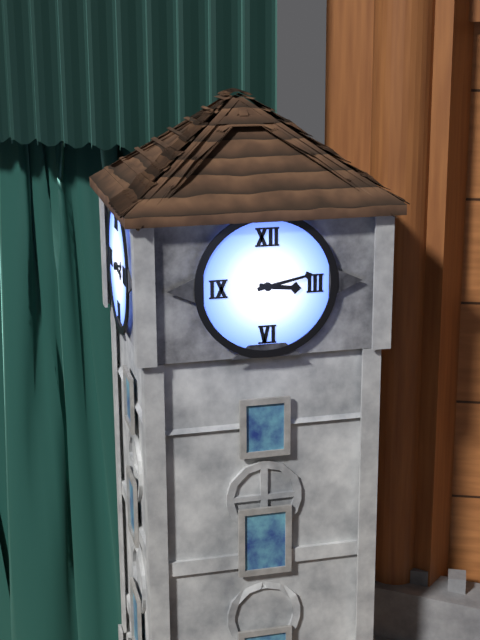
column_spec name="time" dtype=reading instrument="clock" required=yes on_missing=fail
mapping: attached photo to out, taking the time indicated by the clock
3:13
